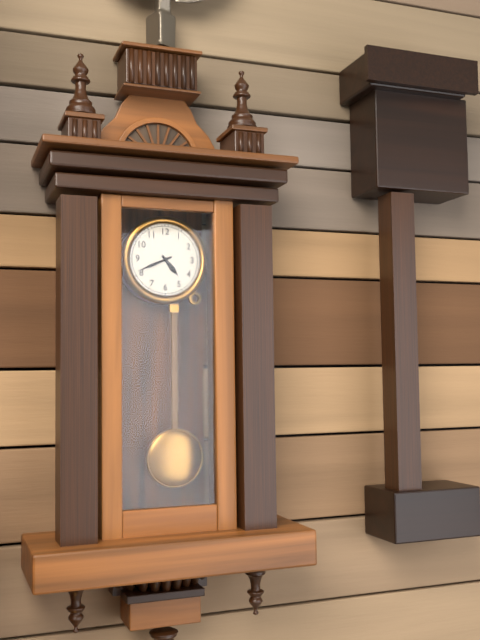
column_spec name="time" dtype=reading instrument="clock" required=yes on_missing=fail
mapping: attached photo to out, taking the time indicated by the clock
4:41
